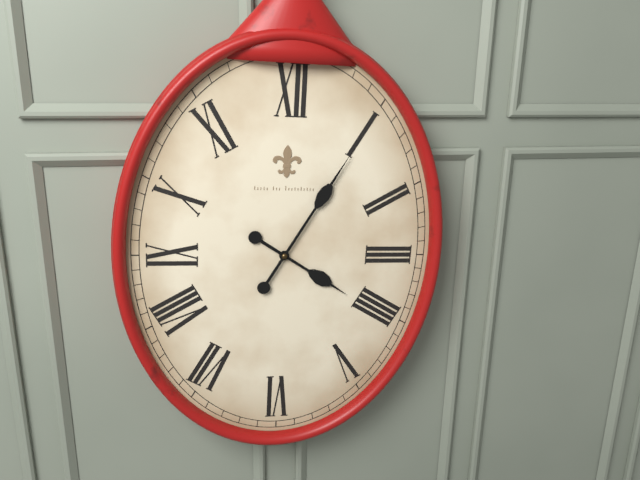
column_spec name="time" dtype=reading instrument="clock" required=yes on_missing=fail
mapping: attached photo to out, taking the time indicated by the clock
4:05
